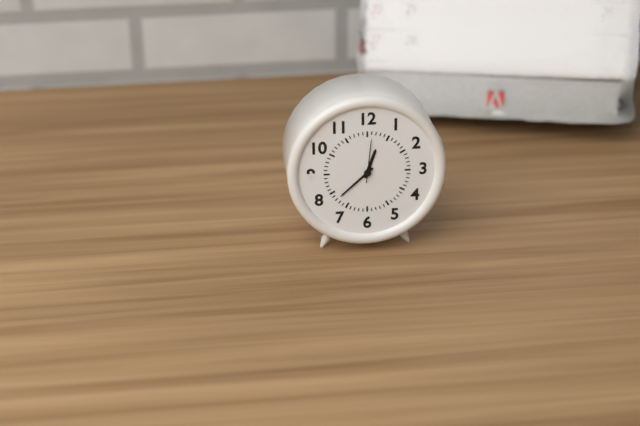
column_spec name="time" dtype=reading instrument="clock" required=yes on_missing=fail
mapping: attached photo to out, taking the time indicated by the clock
12:38
